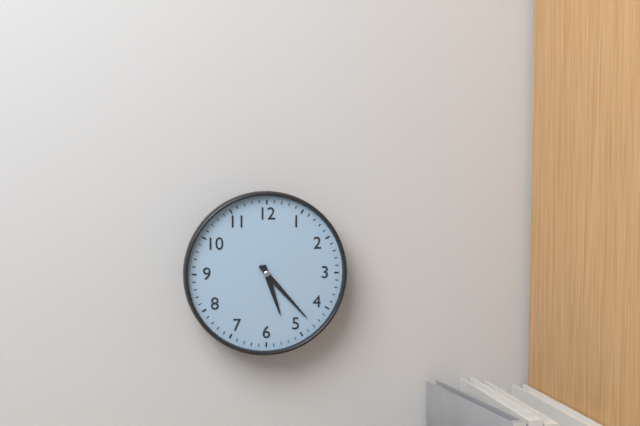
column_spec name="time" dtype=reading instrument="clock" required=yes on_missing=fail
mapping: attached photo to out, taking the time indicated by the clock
5:23
